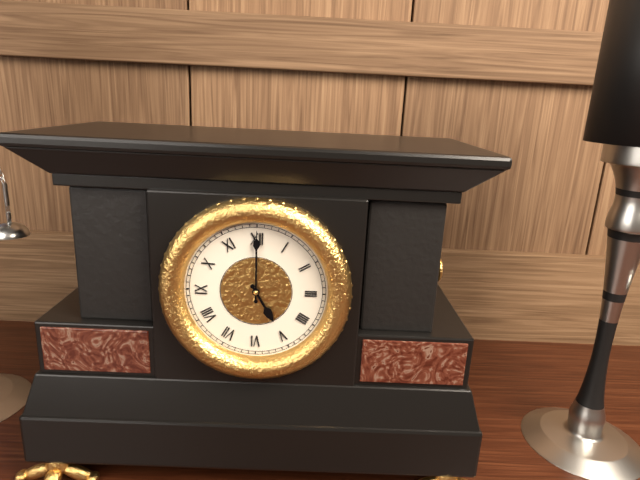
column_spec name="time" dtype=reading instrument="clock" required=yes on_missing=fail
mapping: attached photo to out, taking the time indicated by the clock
5:00
